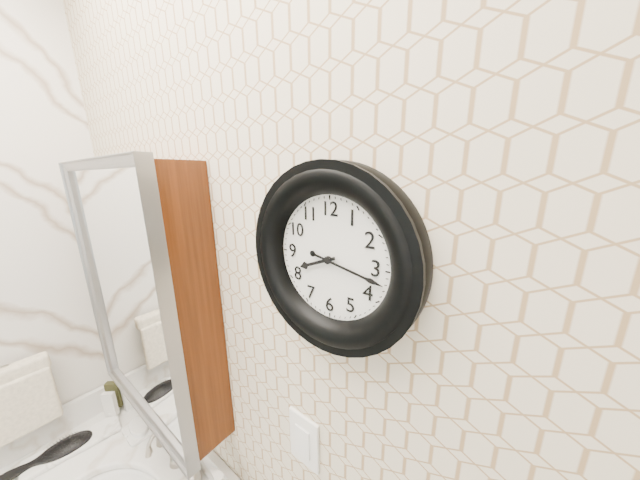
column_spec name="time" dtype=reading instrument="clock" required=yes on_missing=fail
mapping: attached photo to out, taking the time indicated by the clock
8:17
